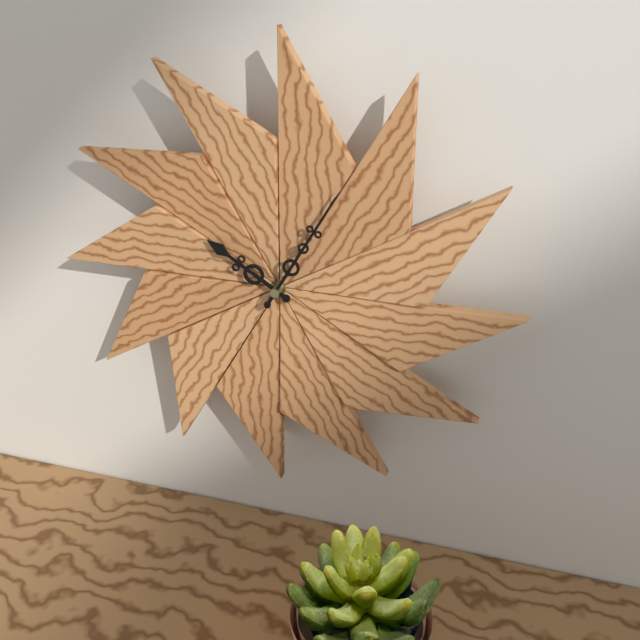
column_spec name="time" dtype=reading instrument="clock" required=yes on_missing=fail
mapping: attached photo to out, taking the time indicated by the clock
10:05
